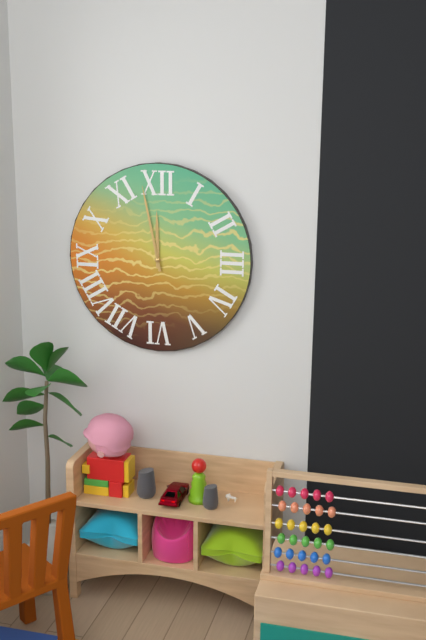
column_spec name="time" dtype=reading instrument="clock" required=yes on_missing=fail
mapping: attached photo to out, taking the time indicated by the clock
11:58
